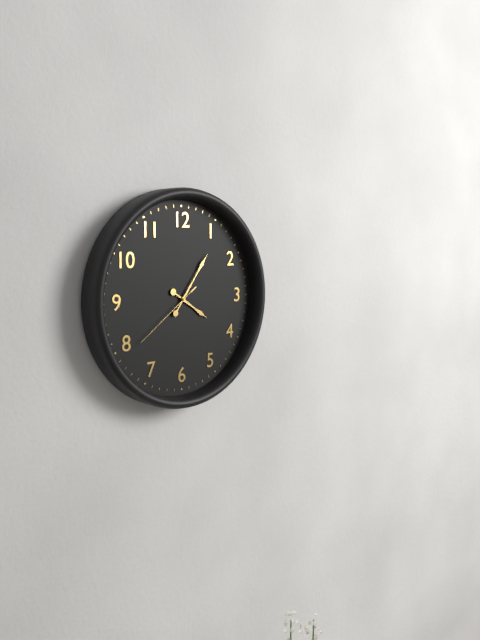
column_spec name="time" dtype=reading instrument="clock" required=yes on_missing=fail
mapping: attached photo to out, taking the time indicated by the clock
4:06:39
